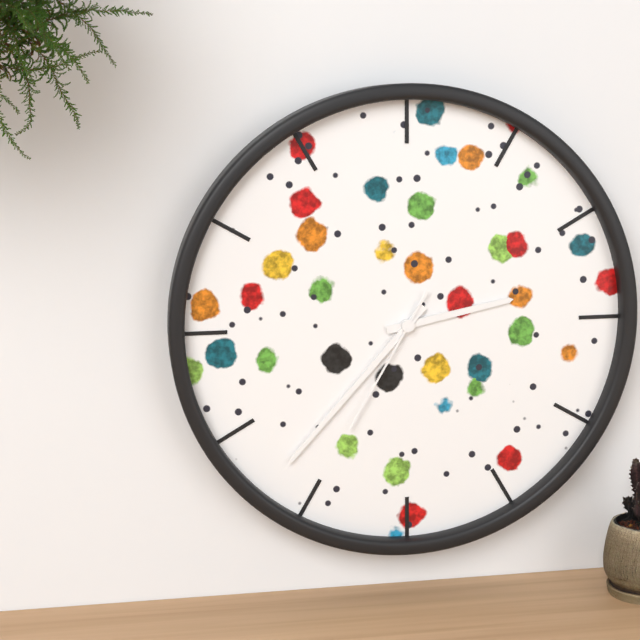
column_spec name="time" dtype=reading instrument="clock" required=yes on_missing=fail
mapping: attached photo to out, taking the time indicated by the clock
2:37:35
